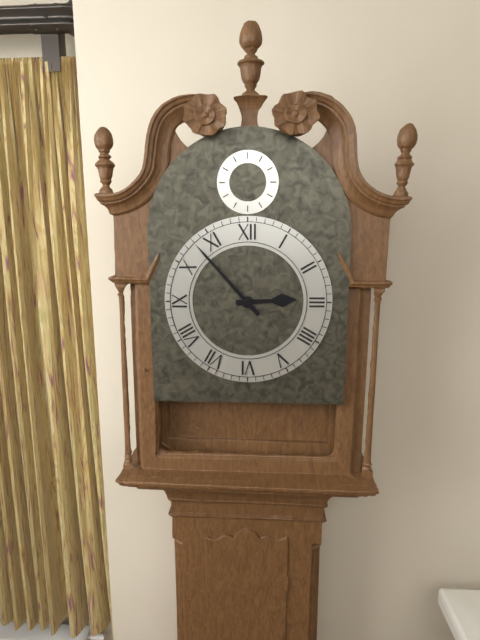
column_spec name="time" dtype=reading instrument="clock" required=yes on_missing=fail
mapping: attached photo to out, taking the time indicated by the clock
2:53
